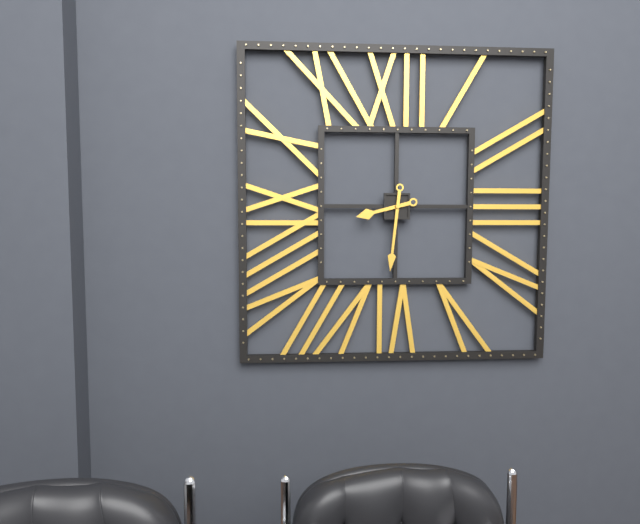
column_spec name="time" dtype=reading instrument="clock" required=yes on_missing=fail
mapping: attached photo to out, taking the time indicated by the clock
8:31
